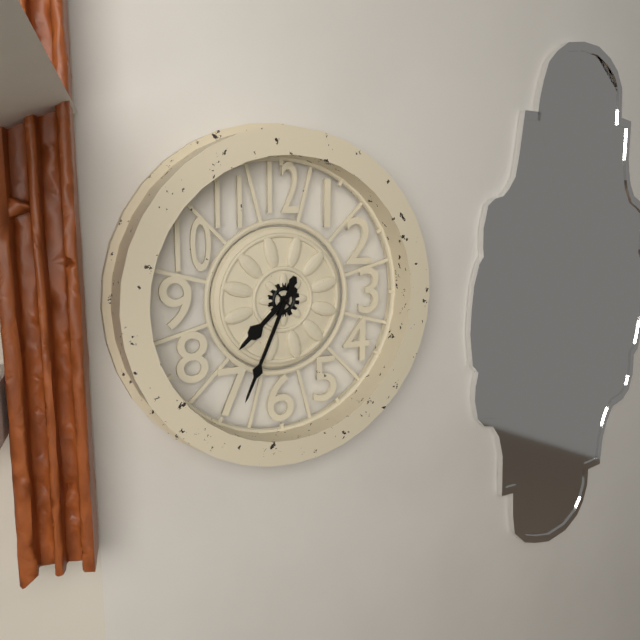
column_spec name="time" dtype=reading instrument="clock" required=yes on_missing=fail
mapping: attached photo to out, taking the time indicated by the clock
7:34
